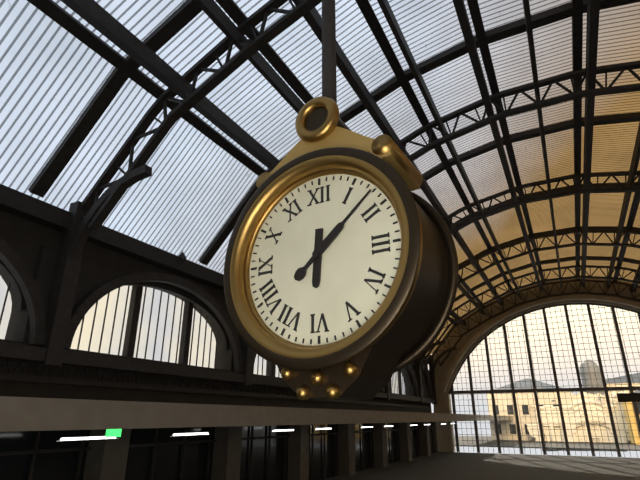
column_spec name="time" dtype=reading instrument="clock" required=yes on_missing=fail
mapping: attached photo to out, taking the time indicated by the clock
6:08
